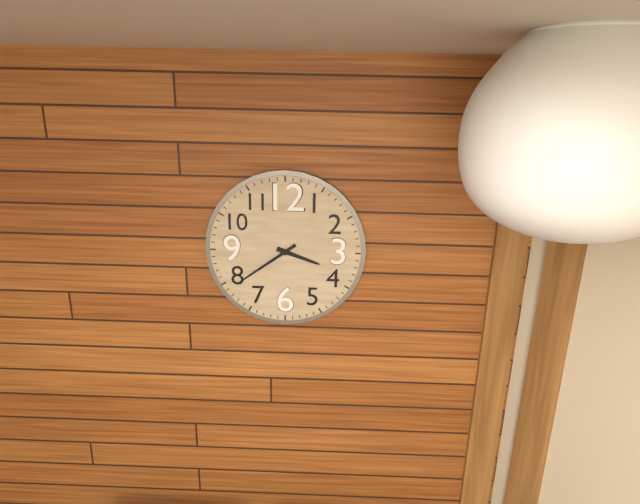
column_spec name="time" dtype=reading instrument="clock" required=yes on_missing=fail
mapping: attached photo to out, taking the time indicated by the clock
3:39
